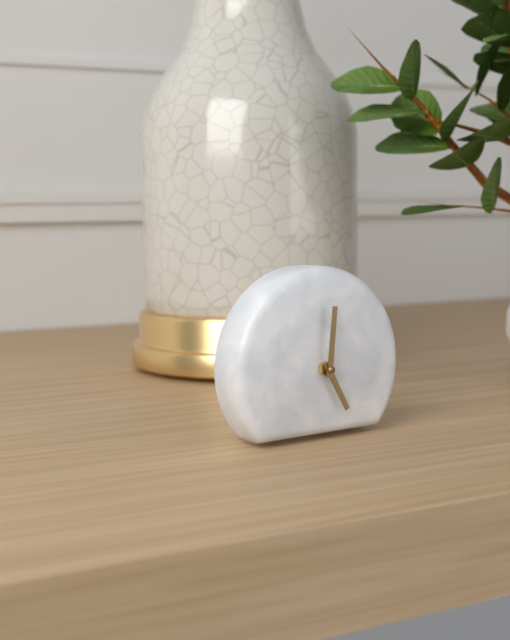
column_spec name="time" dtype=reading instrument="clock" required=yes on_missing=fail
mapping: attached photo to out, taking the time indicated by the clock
5:01
